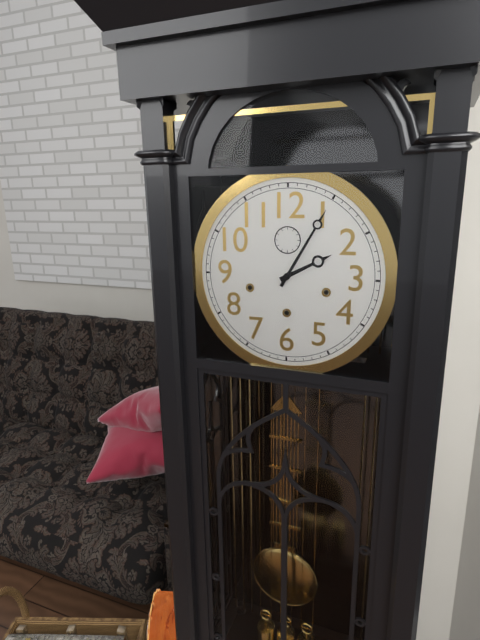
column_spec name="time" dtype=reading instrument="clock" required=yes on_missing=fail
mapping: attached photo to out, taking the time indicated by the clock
2:05
